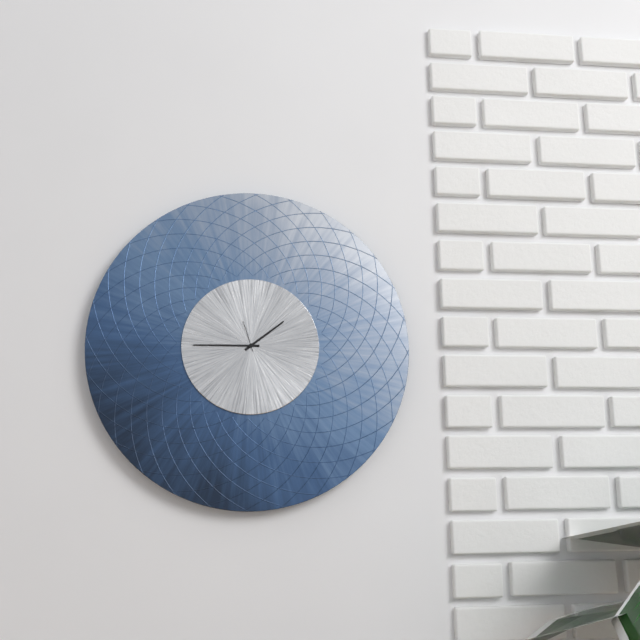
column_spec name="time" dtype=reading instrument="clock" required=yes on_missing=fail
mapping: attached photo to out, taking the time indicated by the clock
1:45
